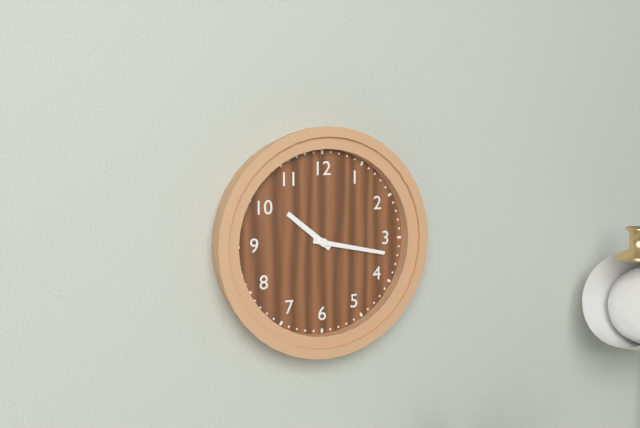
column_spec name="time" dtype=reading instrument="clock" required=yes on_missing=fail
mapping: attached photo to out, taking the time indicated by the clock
10:17
